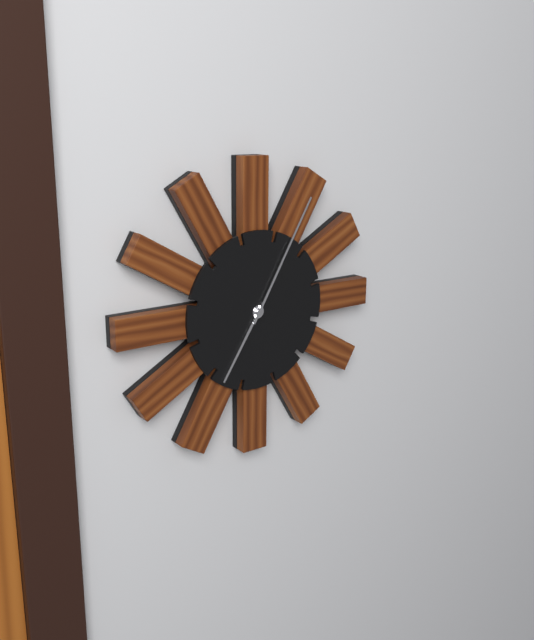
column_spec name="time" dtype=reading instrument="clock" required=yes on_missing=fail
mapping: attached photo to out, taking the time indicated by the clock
7:05
